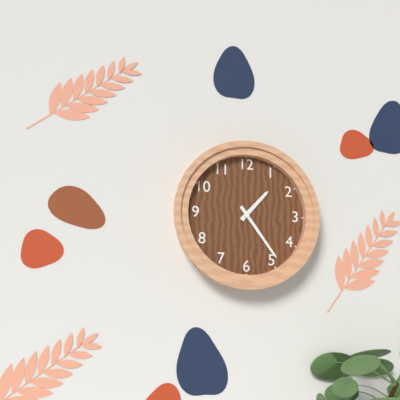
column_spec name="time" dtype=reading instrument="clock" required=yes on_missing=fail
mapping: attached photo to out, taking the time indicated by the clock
1:24
